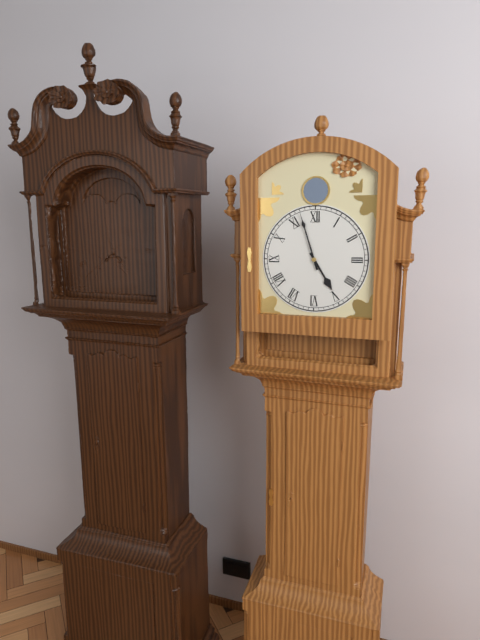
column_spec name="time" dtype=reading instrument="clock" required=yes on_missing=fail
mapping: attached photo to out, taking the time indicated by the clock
4:57
